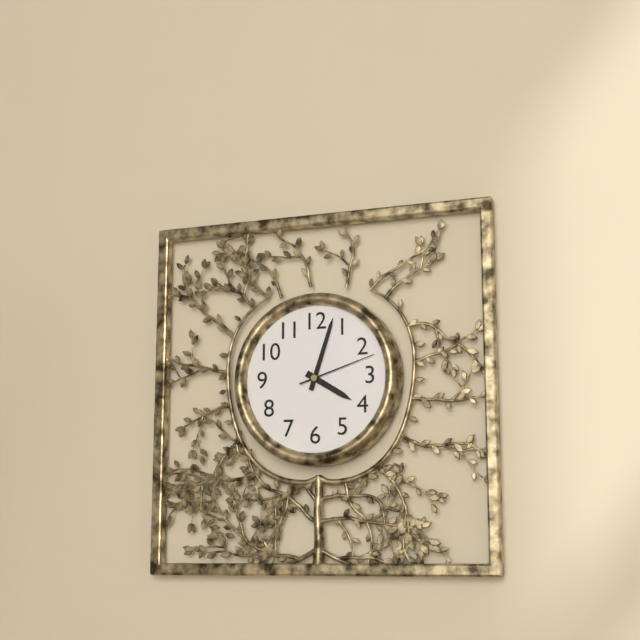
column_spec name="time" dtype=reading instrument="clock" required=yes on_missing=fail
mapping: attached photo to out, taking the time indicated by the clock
4:03:12
